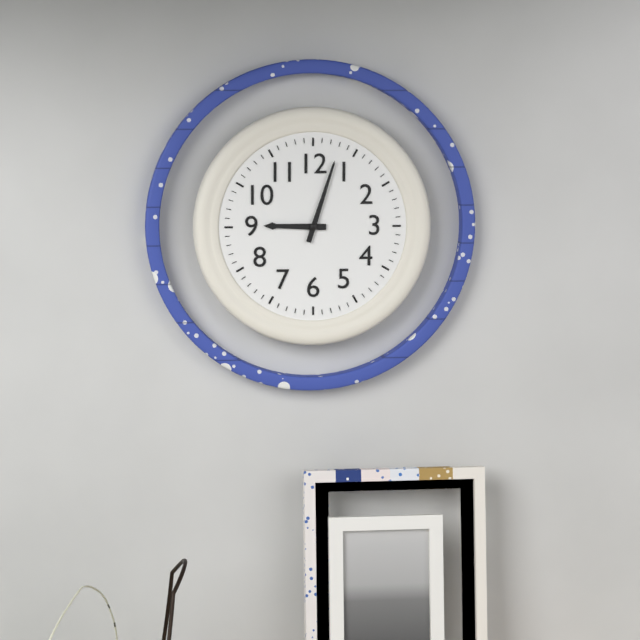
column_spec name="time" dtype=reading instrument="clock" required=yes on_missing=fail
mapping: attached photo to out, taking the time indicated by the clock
9:03
